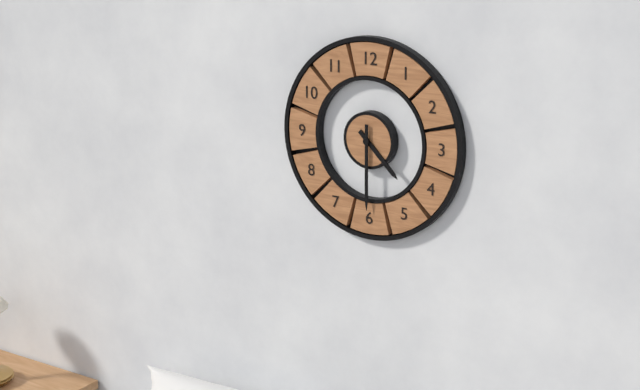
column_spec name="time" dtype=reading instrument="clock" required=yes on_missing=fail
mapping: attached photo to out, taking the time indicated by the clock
4:30
